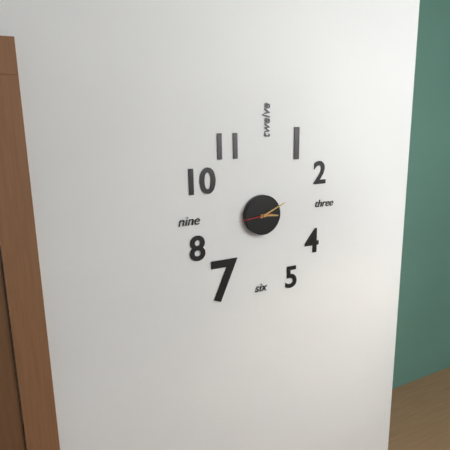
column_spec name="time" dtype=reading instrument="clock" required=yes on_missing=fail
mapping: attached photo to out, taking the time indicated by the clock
3:11
